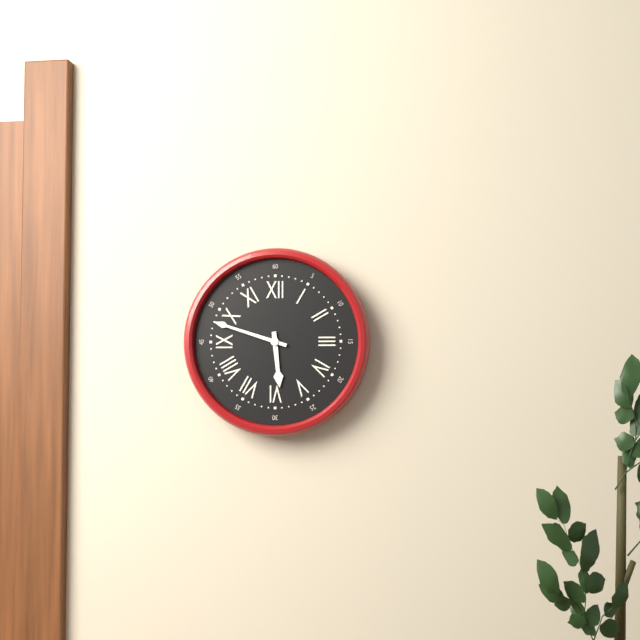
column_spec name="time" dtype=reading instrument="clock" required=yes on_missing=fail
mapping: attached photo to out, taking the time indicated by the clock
5:48
